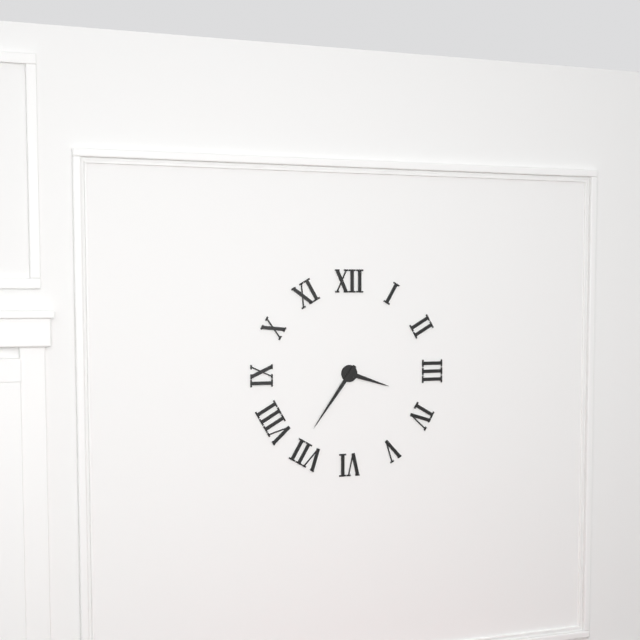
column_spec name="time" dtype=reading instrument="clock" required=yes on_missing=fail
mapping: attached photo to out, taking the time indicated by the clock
3:36
